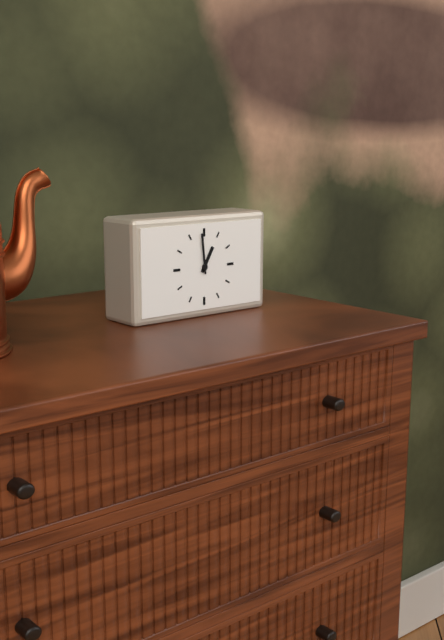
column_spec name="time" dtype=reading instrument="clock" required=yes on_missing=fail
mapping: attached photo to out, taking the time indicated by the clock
12:59
